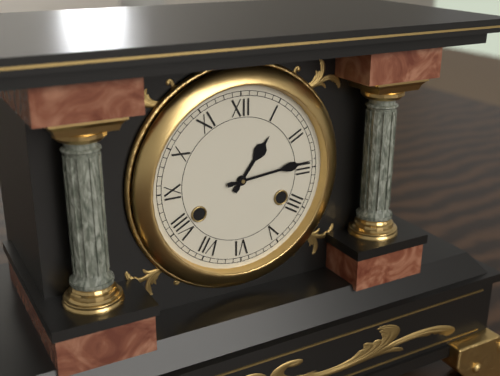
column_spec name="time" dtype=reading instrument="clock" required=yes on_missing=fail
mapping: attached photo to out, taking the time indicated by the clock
1:14
